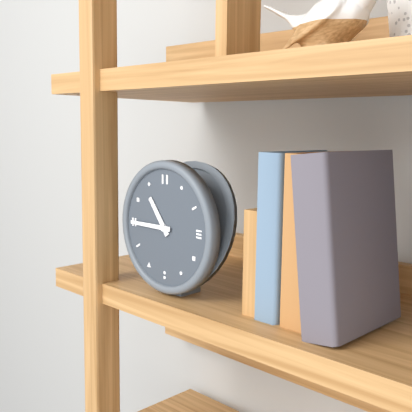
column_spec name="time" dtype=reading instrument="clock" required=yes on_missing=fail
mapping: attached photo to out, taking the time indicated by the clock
10:45
